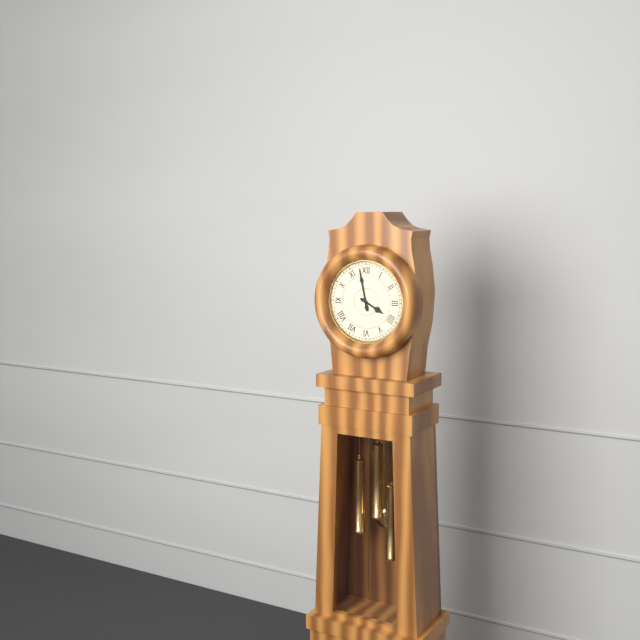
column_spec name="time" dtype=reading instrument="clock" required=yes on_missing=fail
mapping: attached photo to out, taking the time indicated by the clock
3:58
